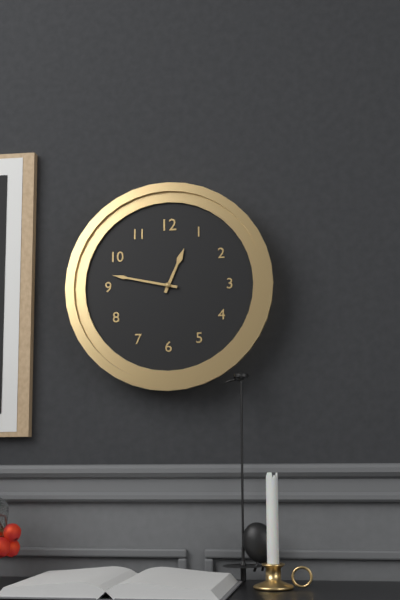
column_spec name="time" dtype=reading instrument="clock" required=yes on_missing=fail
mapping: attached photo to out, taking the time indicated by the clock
12:47
